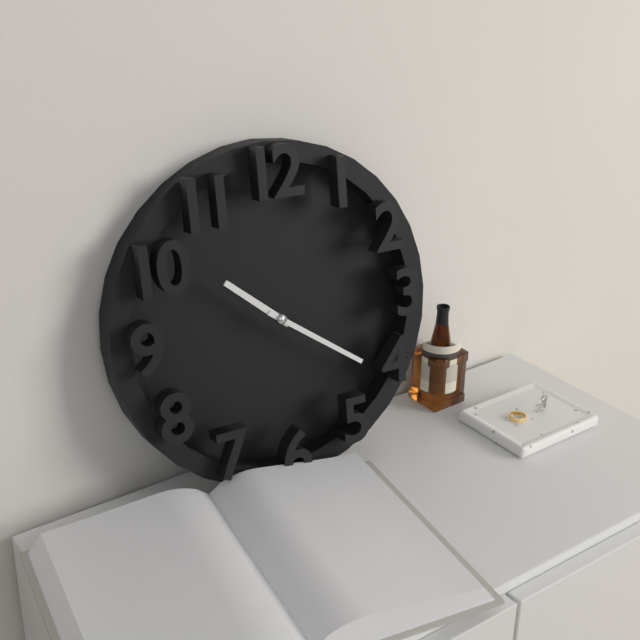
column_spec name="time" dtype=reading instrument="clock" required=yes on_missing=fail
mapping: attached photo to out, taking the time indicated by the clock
10:21
